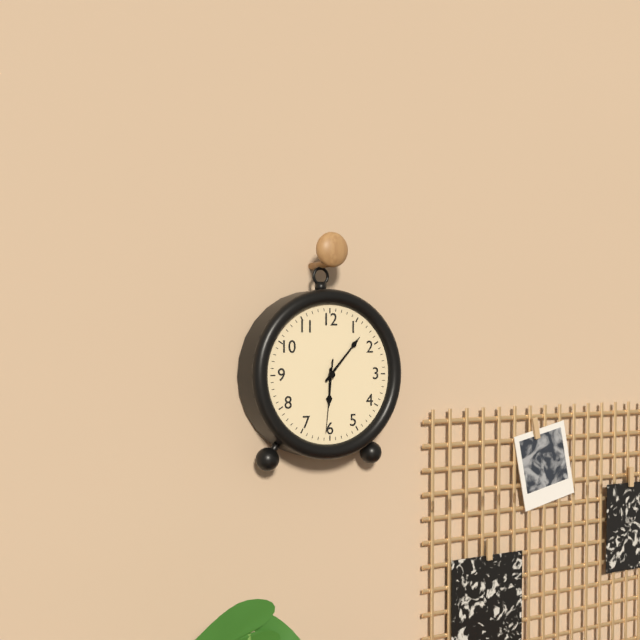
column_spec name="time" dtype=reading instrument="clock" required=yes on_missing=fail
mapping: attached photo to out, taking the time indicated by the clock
6:07:31
